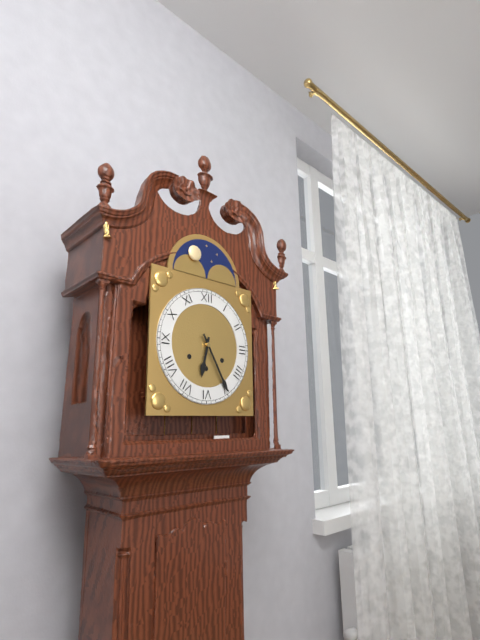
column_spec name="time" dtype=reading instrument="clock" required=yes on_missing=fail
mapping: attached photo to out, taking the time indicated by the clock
6:25
